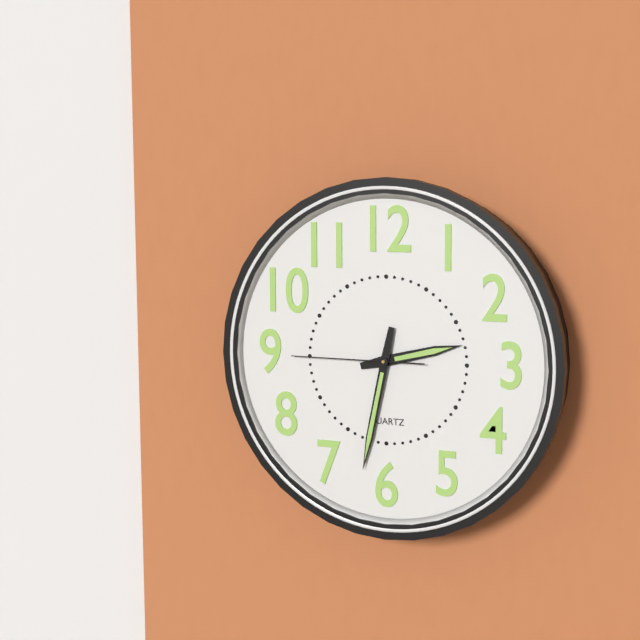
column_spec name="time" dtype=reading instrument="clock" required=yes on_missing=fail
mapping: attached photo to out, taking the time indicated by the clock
2:32:45
